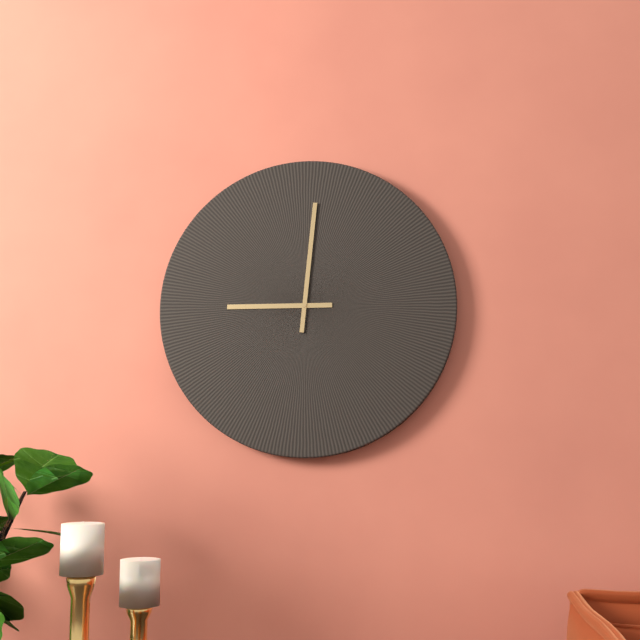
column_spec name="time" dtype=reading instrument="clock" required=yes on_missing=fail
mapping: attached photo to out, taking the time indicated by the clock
9:01
